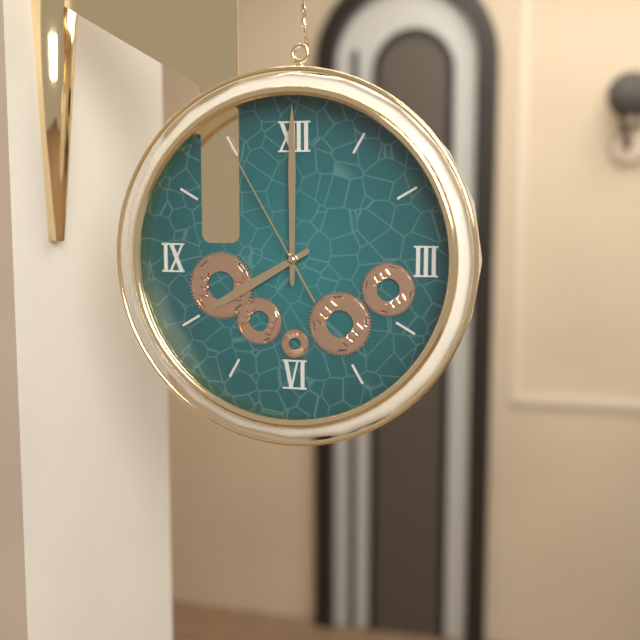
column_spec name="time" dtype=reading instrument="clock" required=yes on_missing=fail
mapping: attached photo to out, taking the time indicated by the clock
8:00:55
